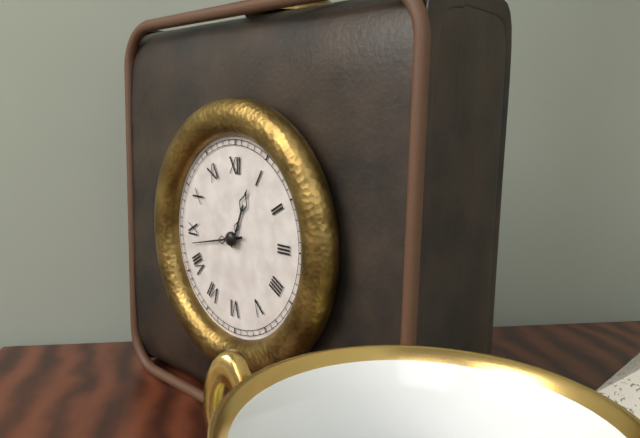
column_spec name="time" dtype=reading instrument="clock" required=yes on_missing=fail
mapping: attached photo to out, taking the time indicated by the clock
12:43
